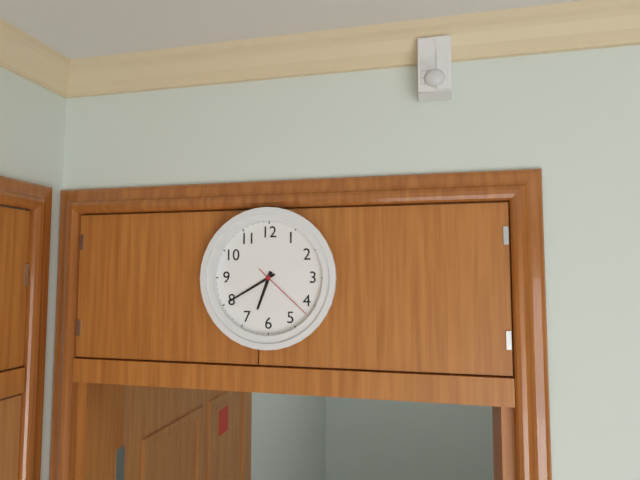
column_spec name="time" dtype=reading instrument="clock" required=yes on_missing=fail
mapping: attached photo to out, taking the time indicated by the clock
6:40:22
